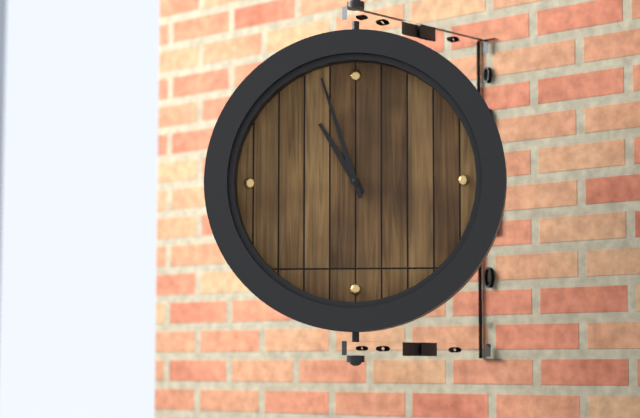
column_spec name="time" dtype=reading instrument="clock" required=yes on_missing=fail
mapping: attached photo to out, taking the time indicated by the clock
10:57
